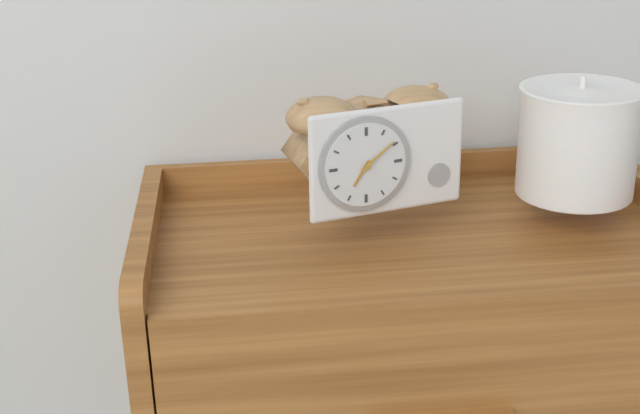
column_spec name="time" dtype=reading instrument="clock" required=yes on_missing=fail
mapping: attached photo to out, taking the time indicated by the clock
7:09
